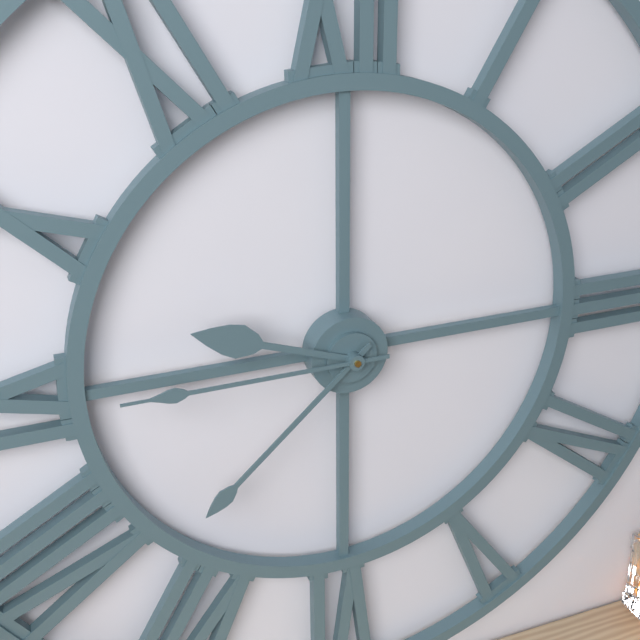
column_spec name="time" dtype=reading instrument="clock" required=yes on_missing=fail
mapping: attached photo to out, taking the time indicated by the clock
9:38:45
